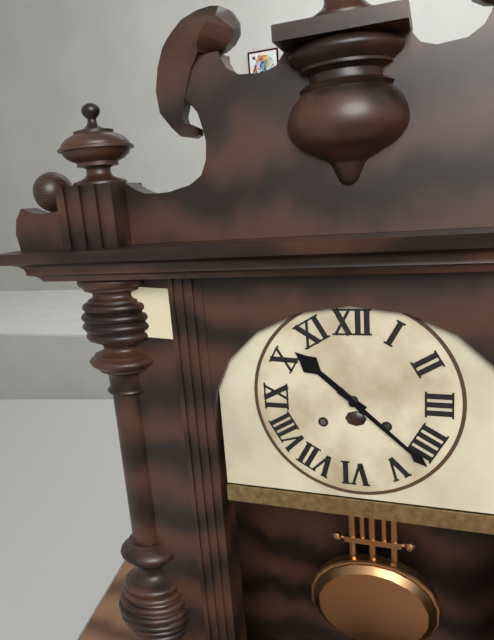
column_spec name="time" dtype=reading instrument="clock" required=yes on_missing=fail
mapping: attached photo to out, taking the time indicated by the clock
10:22
